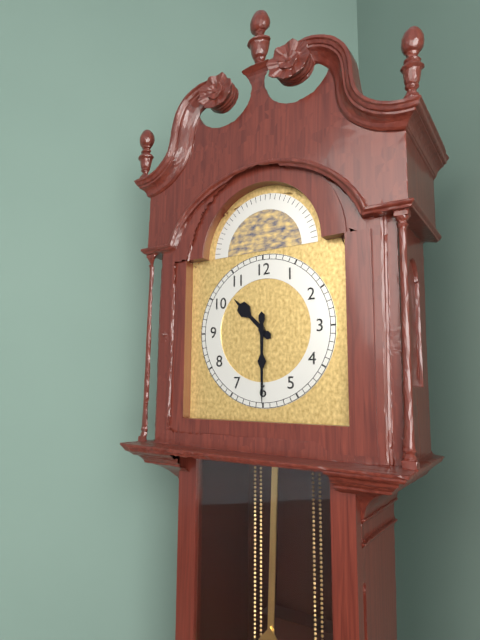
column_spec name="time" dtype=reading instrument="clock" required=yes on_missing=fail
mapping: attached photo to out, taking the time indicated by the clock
10:30
